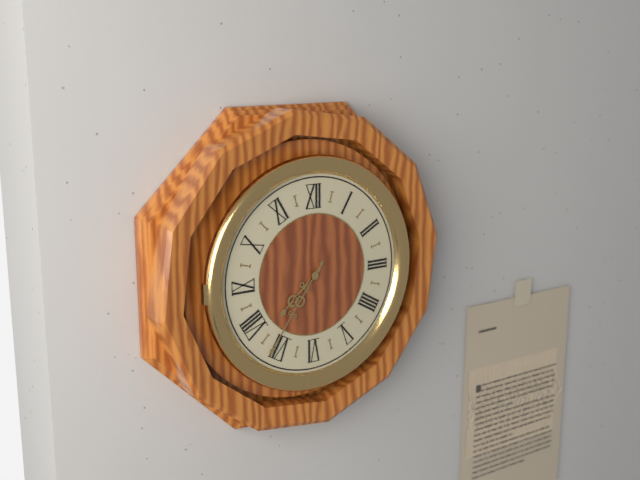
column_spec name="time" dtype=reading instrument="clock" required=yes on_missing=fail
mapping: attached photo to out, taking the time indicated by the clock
7:36
